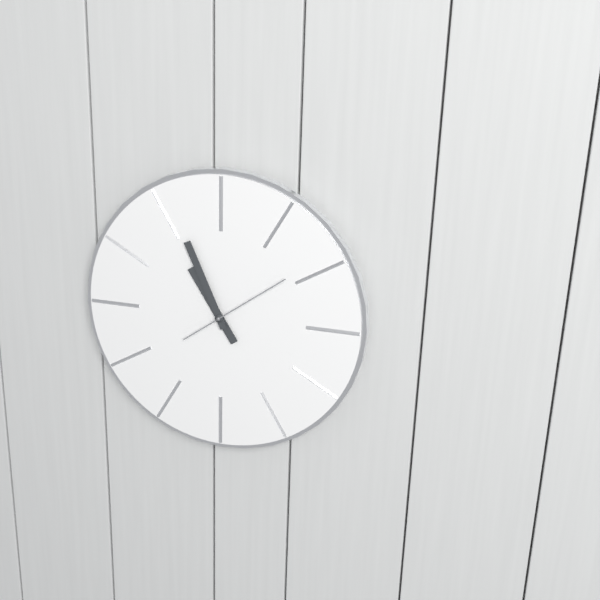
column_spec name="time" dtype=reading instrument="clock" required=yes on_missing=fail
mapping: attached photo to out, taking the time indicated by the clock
10:56:09
